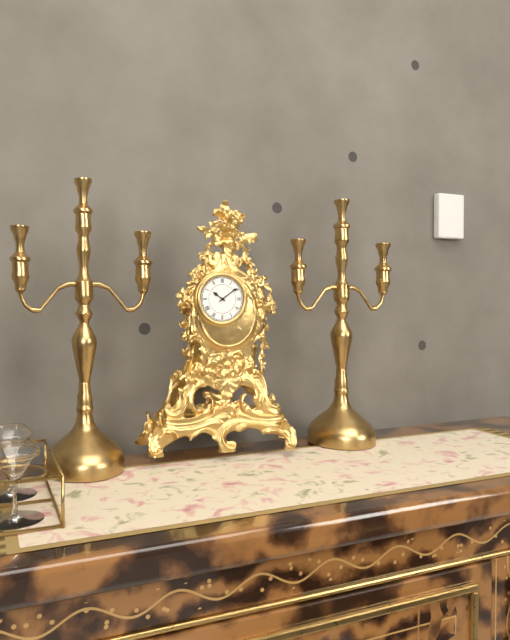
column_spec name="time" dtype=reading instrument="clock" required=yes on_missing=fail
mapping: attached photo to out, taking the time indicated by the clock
10:09
